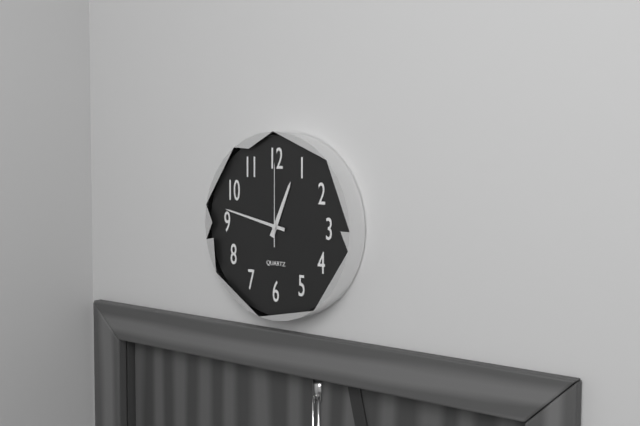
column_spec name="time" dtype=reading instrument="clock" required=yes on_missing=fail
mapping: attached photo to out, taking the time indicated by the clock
12:47:00
